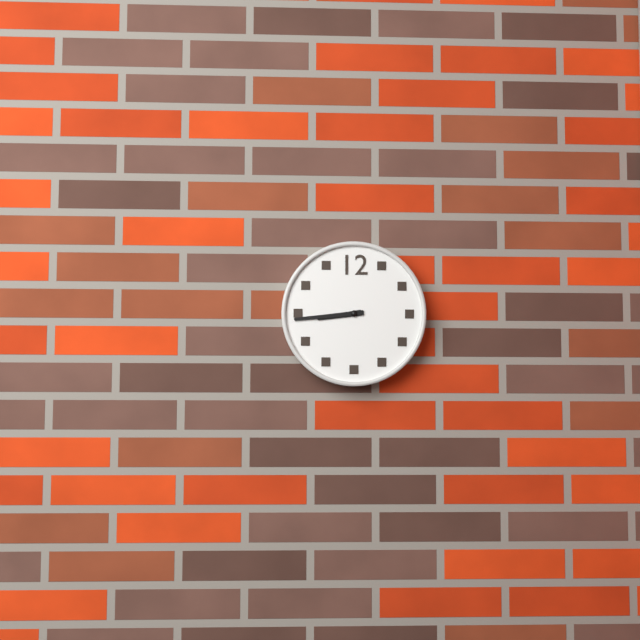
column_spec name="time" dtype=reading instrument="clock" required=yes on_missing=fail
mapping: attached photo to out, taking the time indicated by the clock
8:44
